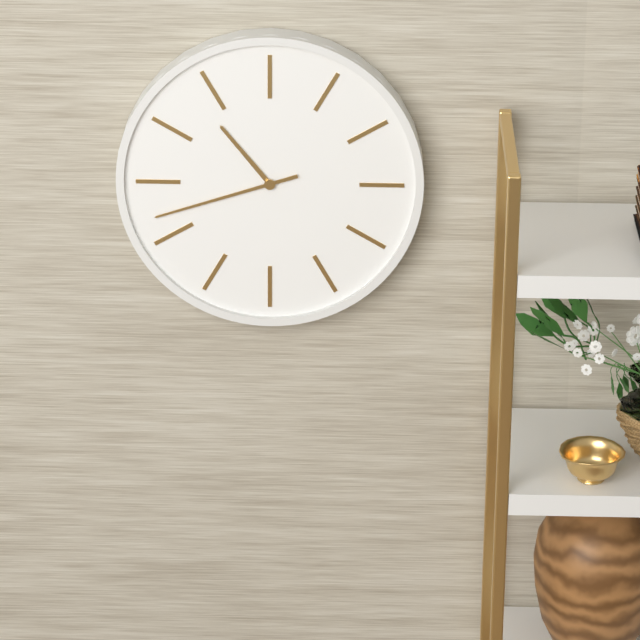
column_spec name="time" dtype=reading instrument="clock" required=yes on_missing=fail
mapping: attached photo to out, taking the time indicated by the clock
10:42
